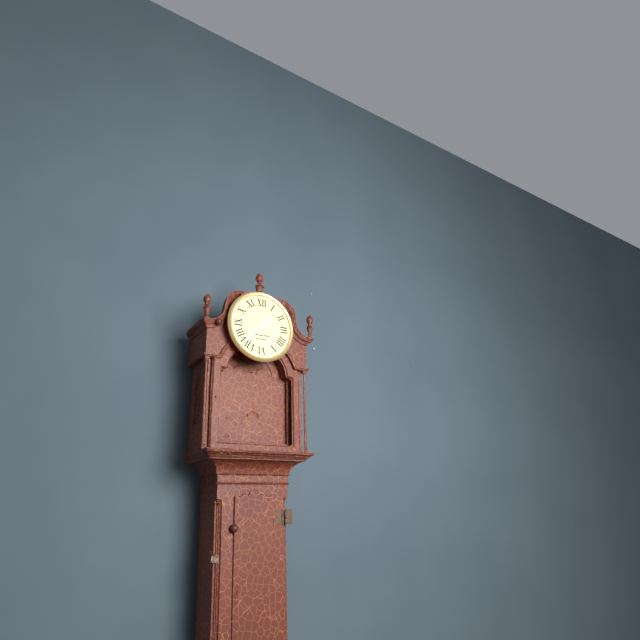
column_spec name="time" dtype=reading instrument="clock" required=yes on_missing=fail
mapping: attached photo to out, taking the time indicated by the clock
1:37
